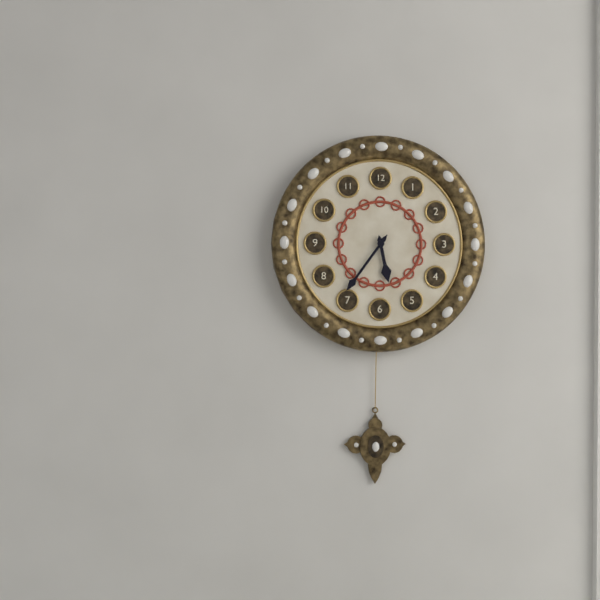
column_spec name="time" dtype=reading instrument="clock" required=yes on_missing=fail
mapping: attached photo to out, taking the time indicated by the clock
5:36
